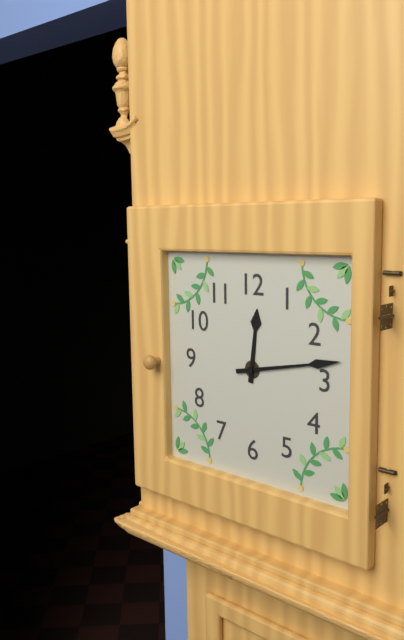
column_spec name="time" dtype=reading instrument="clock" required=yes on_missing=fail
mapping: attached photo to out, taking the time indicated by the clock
12:13
